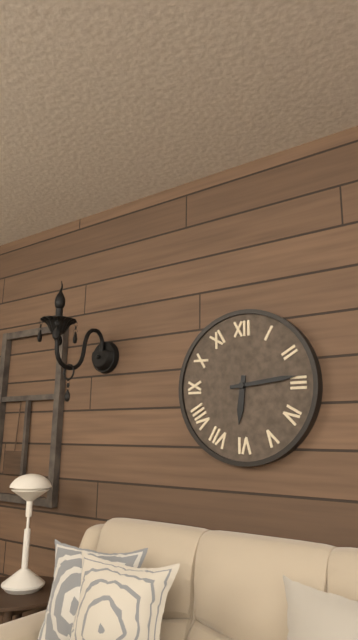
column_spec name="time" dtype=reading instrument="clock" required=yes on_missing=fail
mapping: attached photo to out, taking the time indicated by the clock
6:14
